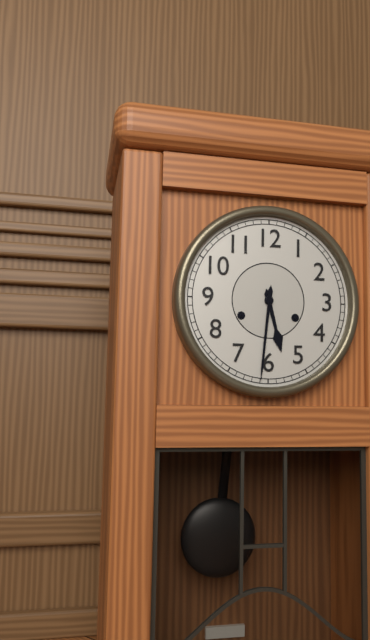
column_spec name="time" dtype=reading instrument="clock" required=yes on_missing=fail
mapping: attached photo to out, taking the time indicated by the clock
5:31
